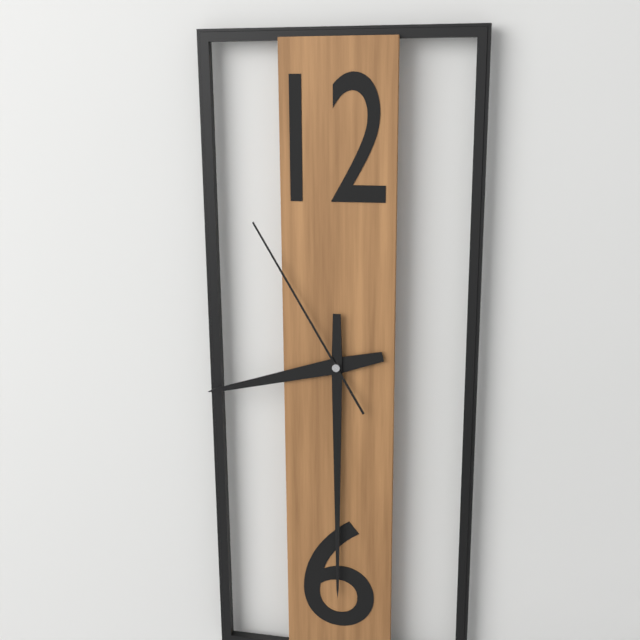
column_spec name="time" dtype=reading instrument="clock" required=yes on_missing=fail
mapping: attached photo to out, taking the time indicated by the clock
8:30:55
